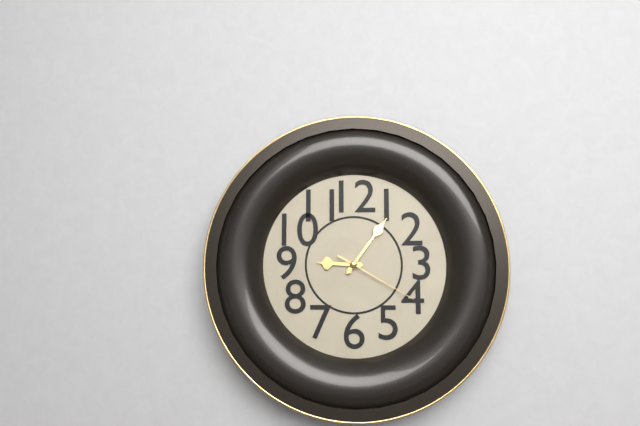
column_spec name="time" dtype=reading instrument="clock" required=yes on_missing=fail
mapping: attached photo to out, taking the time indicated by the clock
9:06:20
